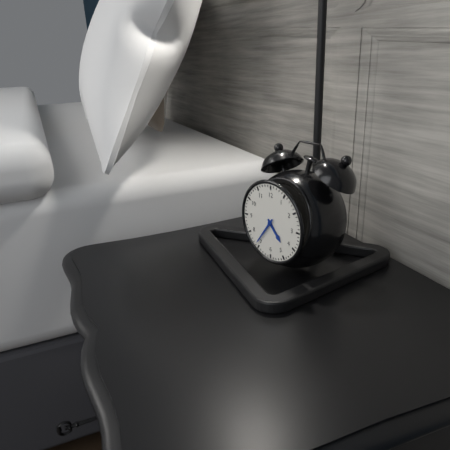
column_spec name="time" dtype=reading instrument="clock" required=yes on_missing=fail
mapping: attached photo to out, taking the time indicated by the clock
4:36
